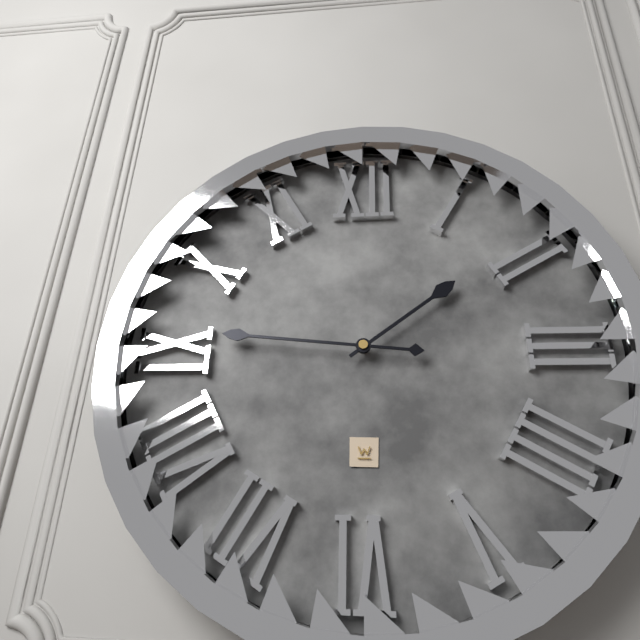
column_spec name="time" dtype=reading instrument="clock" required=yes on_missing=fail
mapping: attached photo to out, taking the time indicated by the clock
1:46
